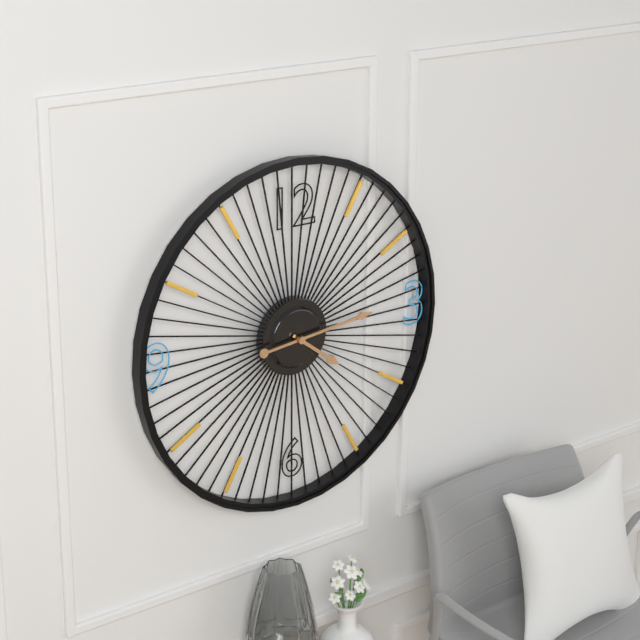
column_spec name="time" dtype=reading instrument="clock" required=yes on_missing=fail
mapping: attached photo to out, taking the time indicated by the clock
4:14
